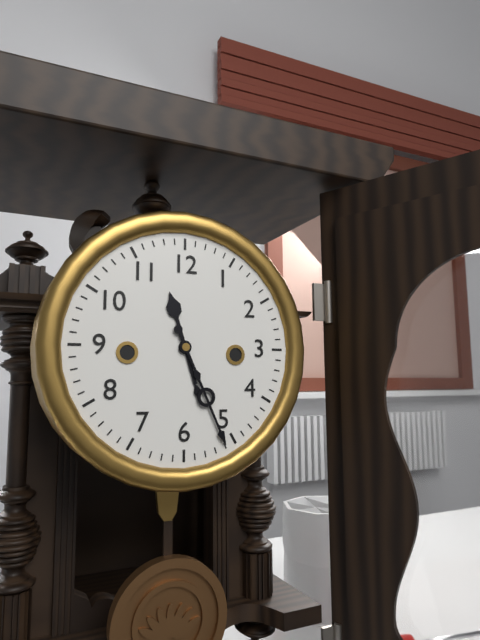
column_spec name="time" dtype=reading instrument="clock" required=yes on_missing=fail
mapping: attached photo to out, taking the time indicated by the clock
11:26
